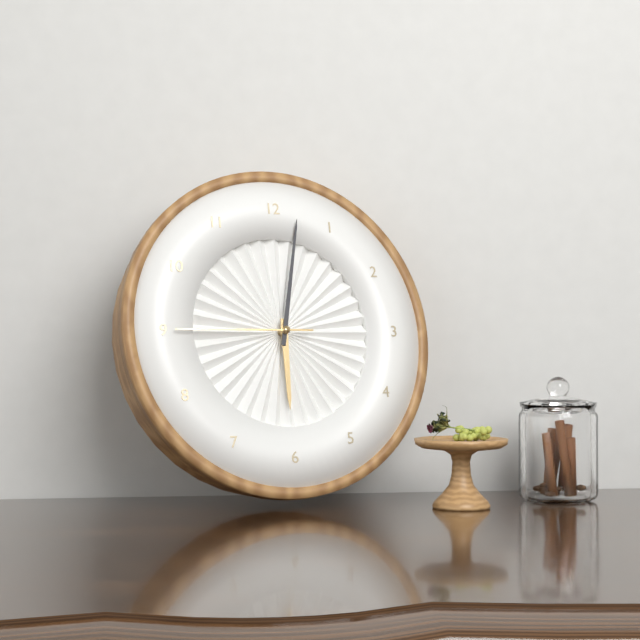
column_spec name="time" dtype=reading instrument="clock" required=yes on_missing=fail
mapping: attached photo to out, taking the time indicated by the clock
6:02:45
